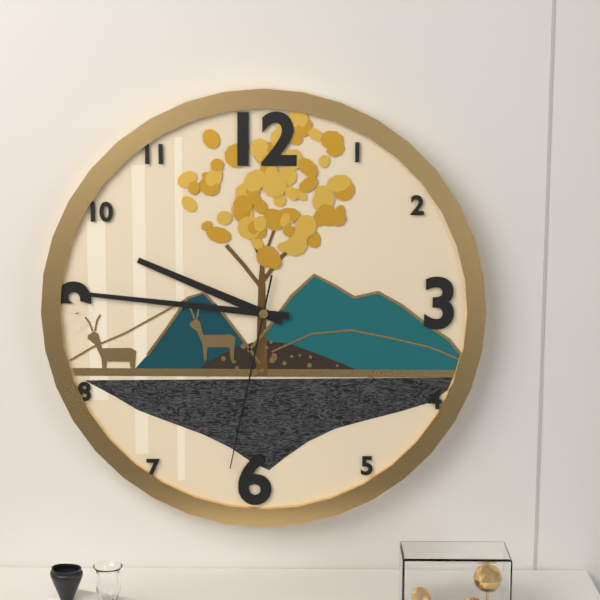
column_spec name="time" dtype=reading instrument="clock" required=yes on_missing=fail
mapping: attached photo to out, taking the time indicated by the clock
9:46:32
